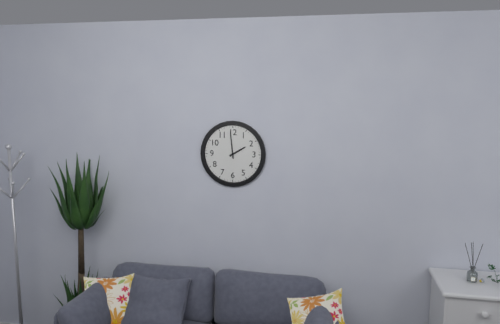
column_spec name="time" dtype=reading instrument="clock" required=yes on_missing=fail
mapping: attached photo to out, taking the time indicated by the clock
1:59
